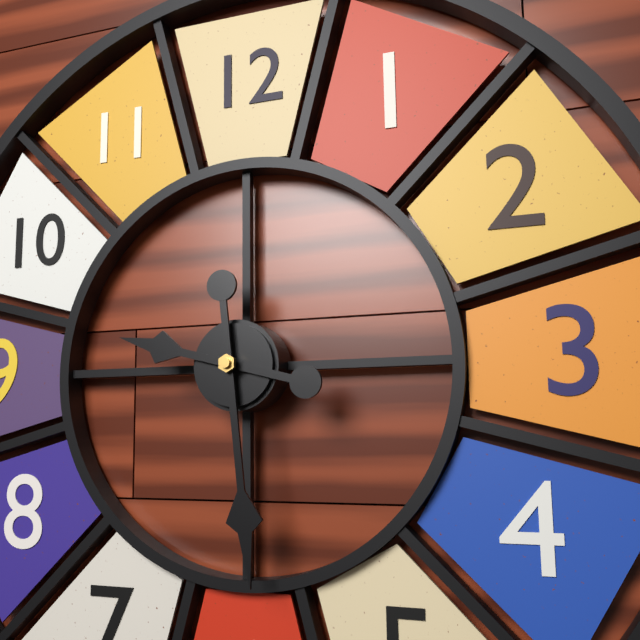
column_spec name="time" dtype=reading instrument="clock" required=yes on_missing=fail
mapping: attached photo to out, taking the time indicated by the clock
9:29
